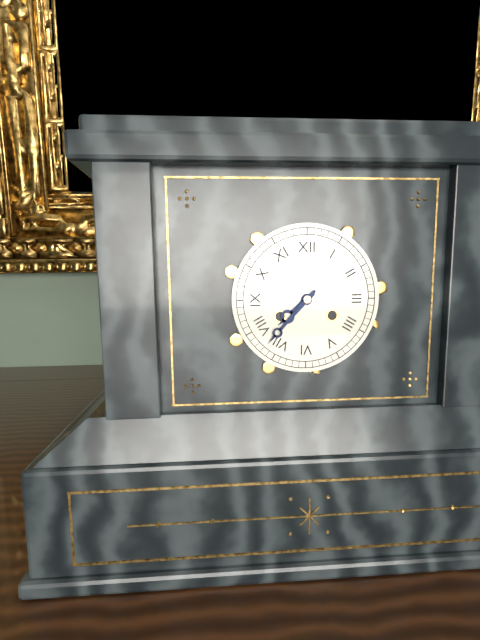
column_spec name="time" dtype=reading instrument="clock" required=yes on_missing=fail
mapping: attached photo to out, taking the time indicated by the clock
7:37
